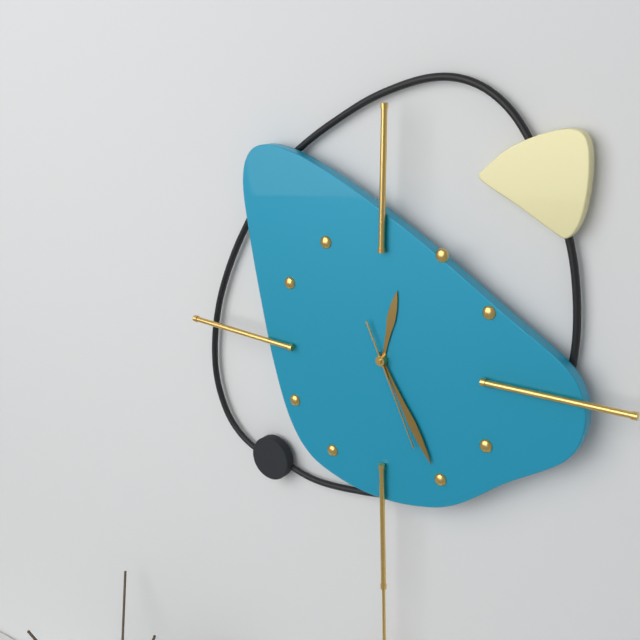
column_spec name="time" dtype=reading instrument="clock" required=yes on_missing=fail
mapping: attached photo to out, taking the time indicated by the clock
12:25:26
